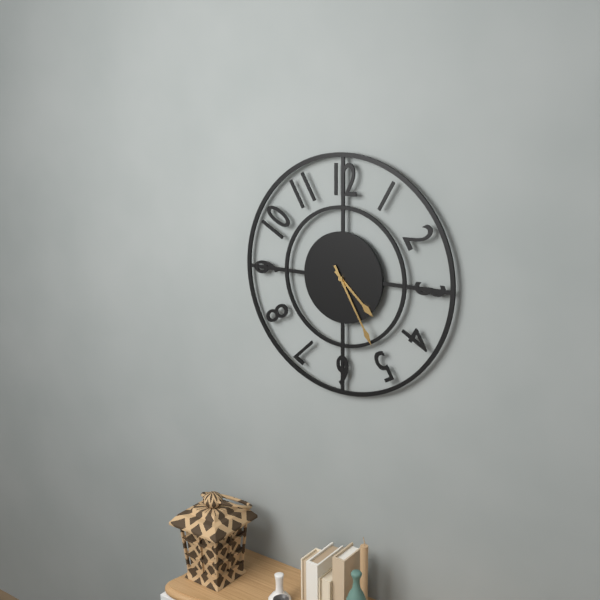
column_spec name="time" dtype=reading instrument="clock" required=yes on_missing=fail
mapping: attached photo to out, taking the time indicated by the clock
4:25
